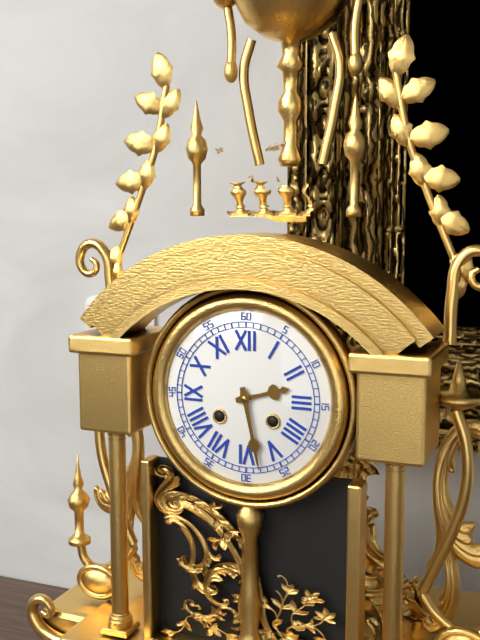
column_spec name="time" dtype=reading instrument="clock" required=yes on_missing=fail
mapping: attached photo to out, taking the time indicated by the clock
2:28
